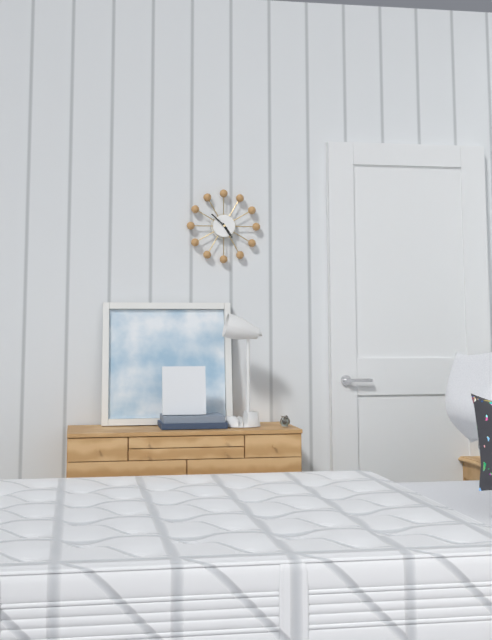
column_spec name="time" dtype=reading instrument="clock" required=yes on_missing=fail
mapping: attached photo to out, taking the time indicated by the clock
4:52
